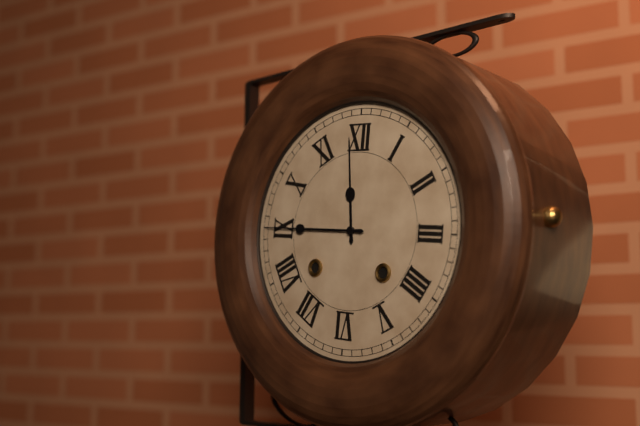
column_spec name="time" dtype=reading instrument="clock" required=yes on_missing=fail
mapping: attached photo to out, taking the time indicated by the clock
11:45
